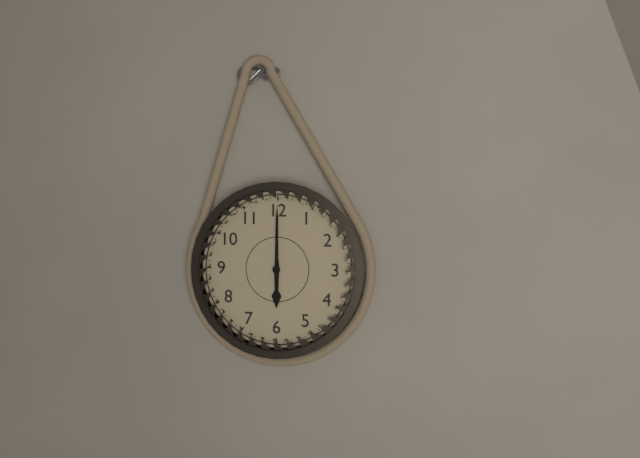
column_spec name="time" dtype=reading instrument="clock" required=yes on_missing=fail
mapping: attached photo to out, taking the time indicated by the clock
6:00
